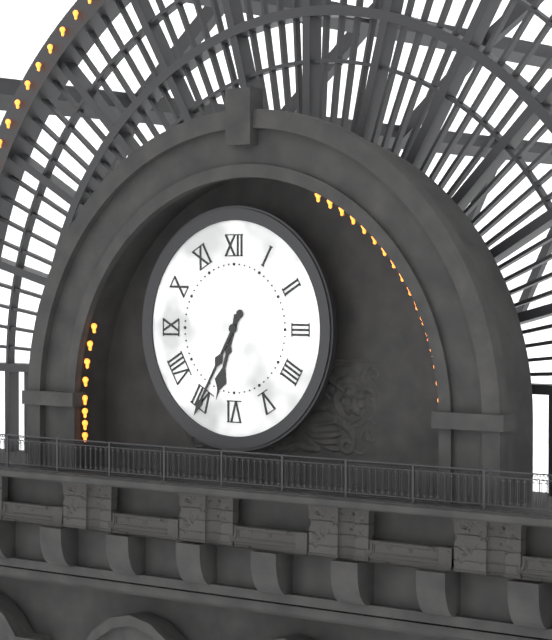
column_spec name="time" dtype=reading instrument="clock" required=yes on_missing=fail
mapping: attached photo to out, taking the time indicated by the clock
6:35
